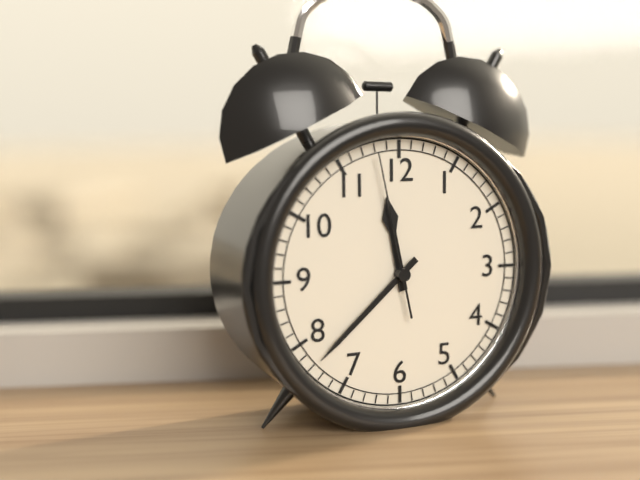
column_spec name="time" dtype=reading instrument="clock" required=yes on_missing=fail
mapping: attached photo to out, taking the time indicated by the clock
11:38:58
